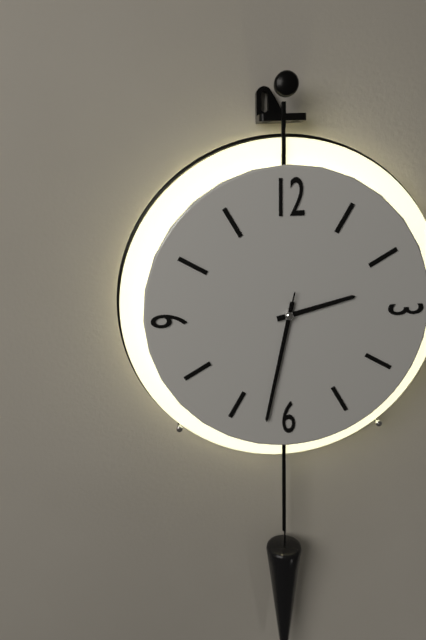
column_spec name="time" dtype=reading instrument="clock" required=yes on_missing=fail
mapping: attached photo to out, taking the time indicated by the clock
2:32:32
